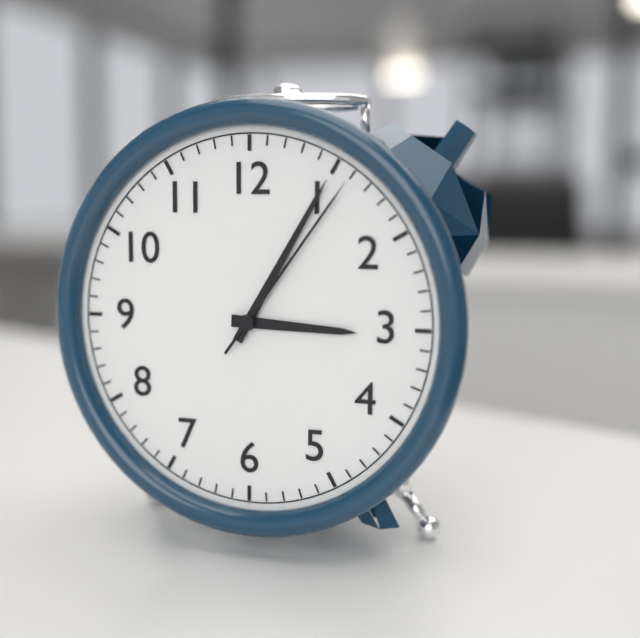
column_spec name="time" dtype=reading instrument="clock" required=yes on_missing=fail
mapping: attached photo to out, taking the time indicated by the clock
3:05:06
